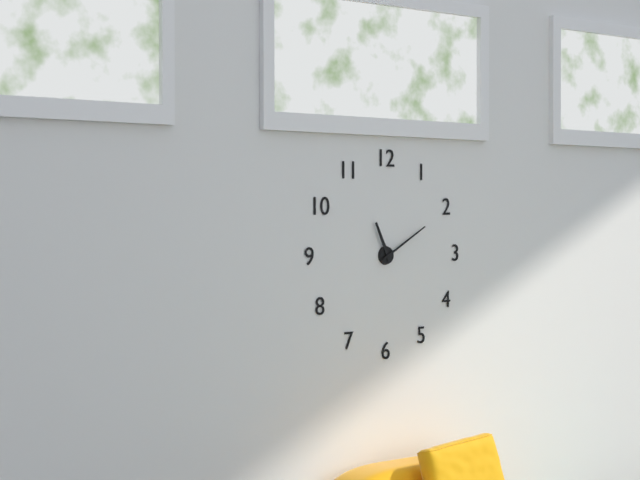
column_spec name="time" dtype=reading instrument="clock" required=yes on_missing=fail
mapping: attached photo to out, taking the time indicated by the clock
11:10
